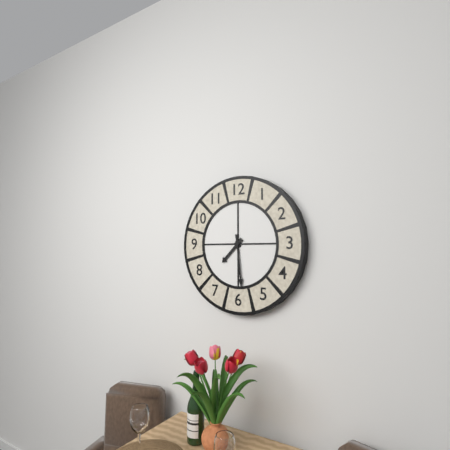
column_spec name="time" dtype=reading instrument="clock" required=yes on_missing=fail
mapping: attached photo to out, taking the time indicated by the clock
7:29
